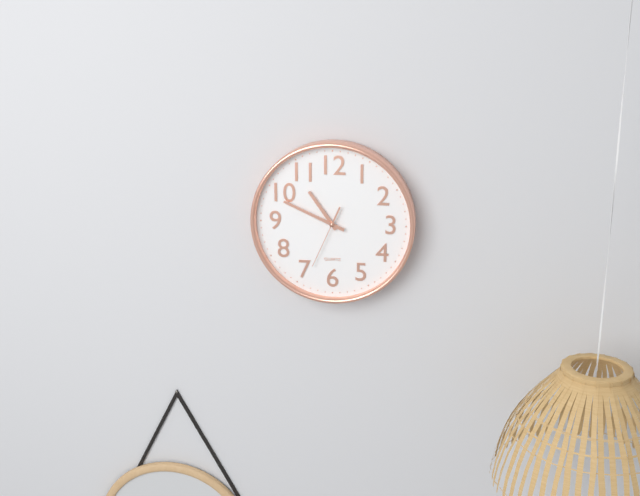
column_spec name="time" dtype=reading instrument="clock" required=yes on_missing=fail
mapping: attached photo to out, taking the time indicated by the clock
10:49:34
